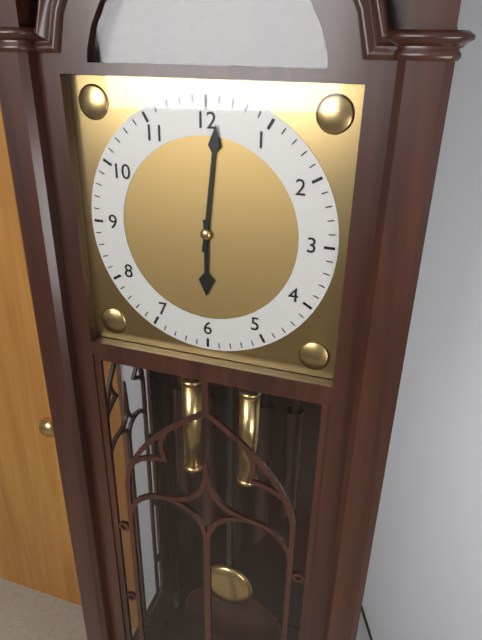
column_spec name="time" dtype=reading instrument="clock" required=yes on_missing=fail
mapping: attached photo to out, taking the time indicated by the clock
6:01
